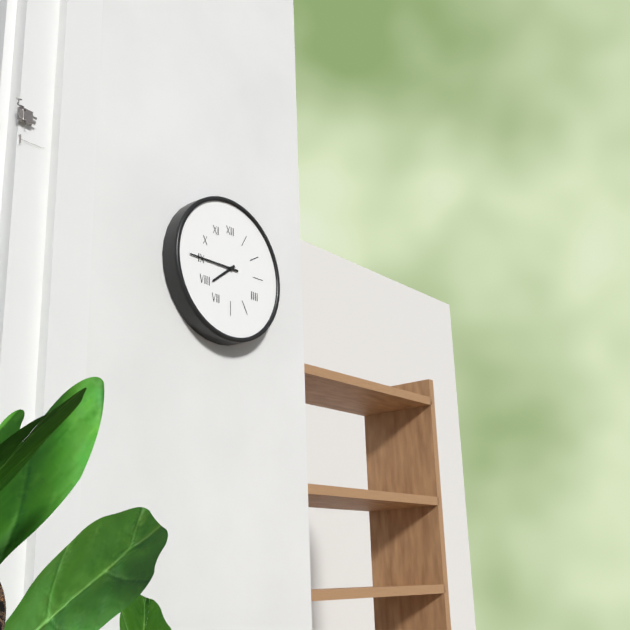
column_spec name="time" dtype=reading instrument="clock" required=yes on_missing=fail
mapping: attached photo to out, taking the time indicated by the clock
7:45
